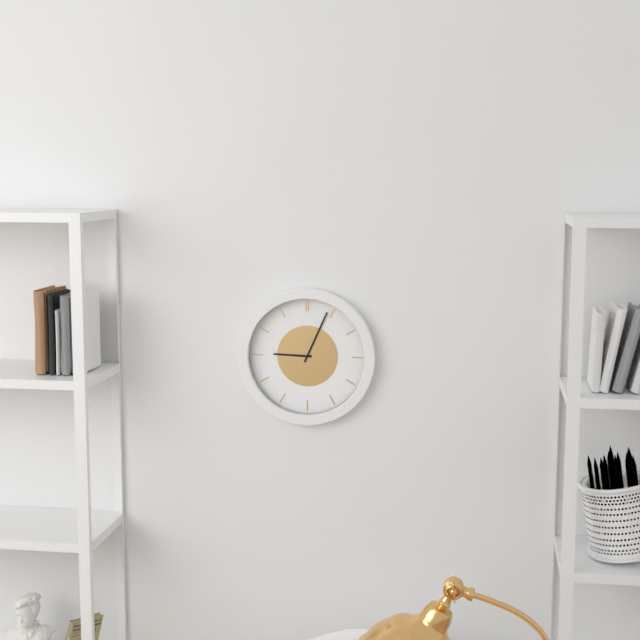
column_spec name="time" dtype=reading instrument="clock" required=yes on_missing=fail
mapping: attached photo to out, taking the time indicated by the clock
9:04
